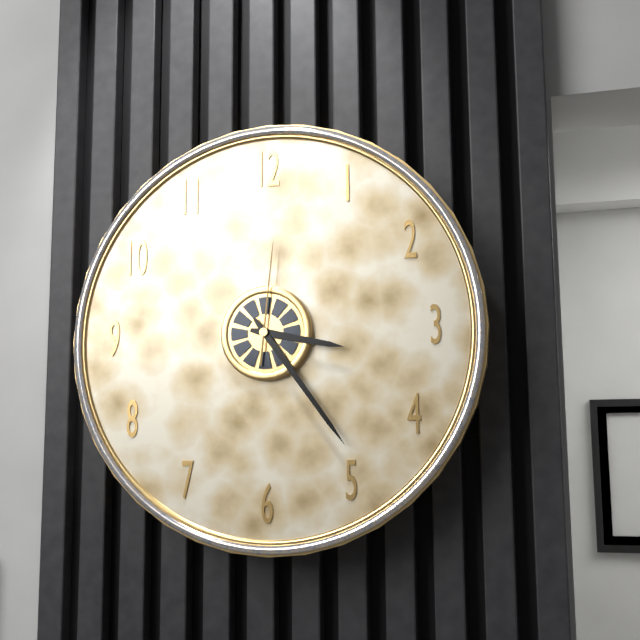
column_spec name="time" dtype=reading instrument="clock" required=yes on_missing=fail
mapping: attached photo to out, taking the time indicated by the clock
3:24:01
